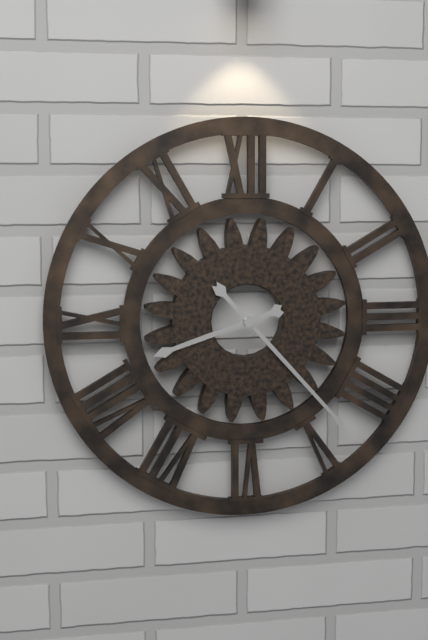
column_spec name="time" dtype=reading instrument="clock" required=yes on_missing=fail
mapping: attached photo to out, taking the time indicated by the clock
8:23
